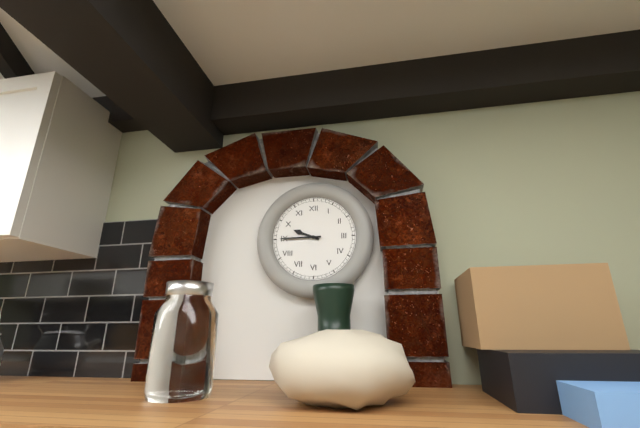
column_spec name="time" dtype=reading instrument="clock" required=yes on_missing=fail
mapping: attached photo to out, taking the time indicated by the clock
9:45
